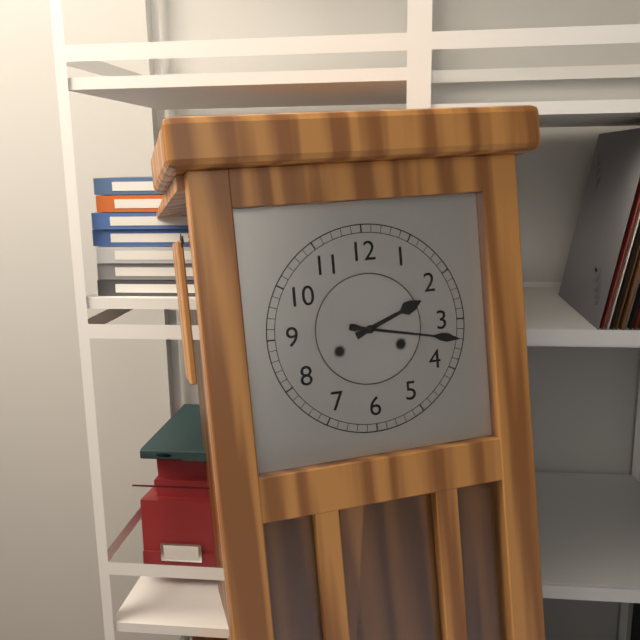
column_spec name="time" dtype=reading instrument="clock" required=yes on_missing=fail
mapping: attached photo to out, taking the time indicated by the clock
2:17
